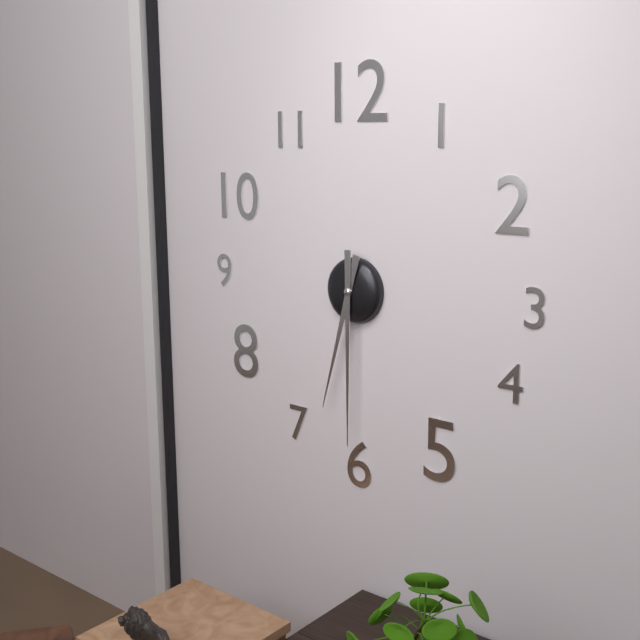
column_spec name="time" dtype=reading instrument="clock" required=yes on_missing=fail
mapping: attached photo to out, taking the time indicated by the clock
6:30
